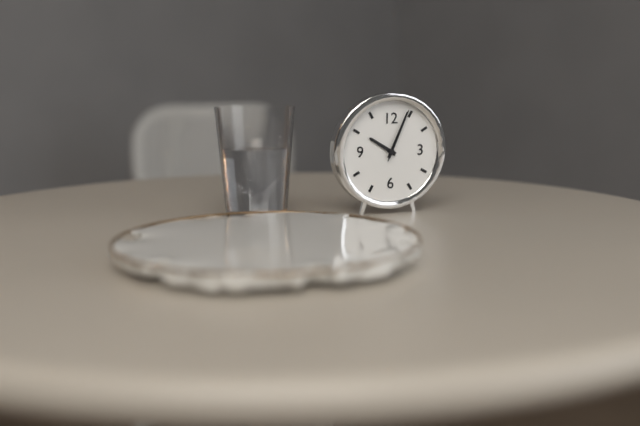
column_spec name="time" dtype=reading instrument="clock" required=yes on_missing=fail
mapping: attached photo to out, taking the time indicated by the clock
10:04:04
